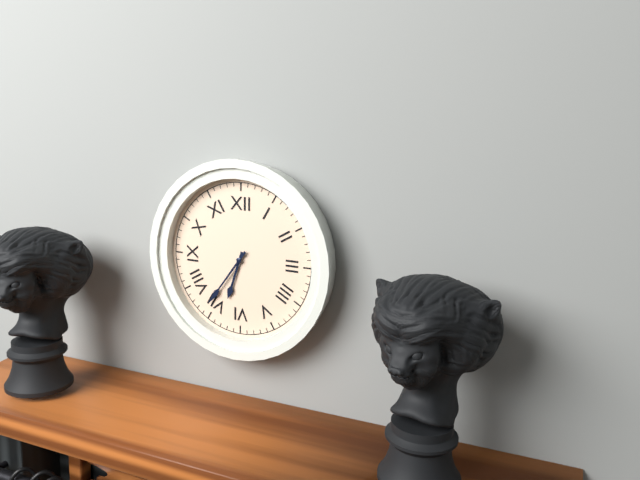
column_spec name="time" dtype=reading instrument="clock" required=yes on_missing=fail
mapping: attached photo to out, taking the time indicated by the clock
6:36
